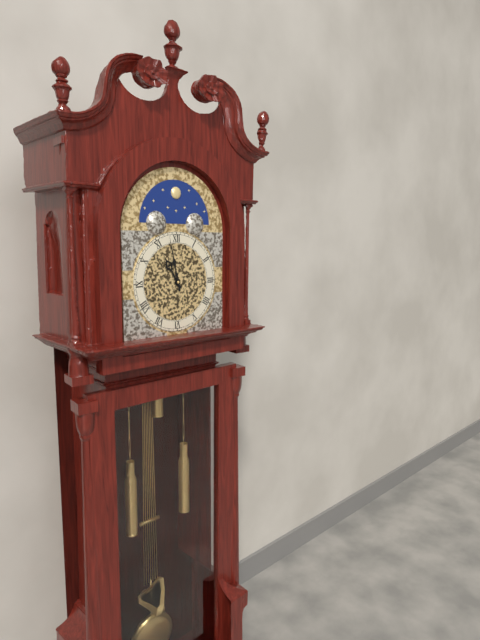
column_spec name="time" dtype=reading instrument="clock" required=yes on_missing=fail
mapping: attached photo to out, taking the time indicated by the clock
10:58
